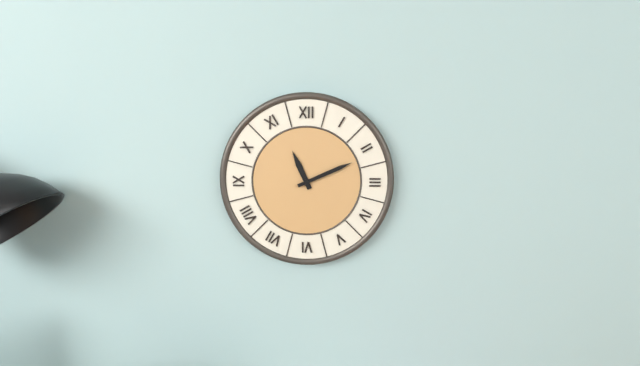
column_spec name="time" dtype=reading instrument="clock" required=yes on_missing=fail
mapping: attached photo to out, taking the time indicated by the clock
11:11
